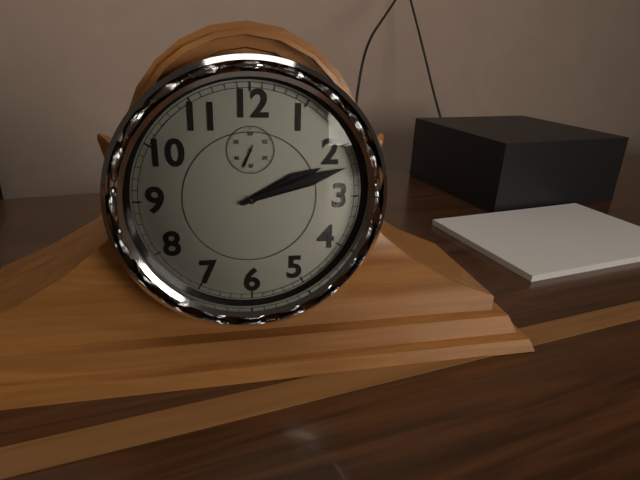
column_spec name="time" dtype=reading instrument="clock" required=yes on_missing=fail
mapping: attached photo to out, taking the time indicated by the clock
2:12
